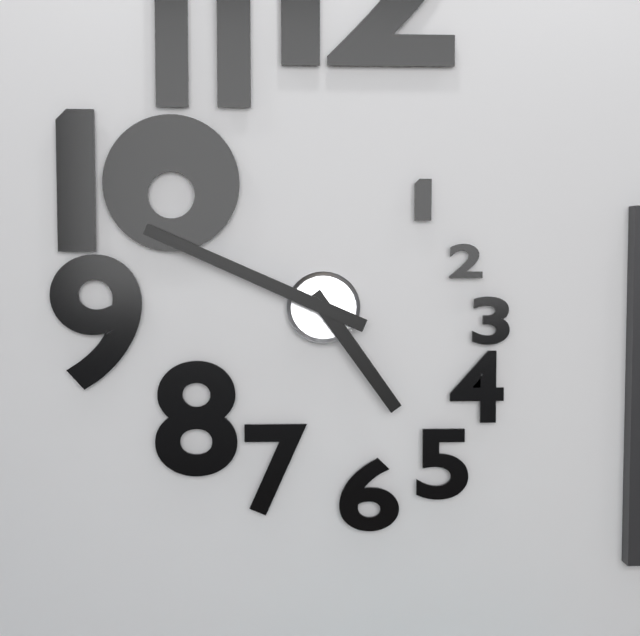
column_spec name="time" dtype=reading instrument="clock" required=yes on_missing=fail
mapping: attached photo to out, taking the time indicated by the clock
4:49
